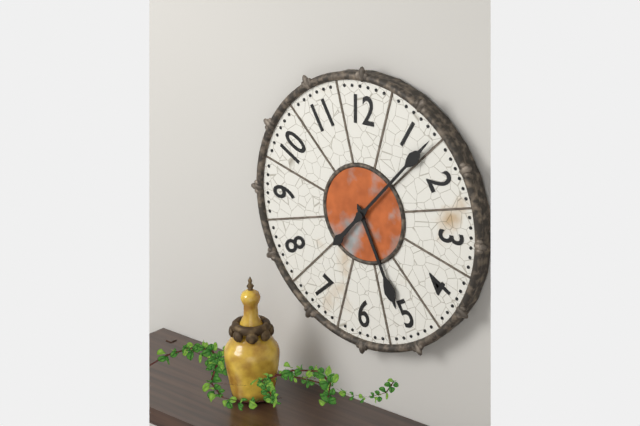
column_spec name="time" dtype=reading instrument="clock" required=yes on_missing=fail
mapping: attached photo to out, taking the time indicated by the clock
5:07
